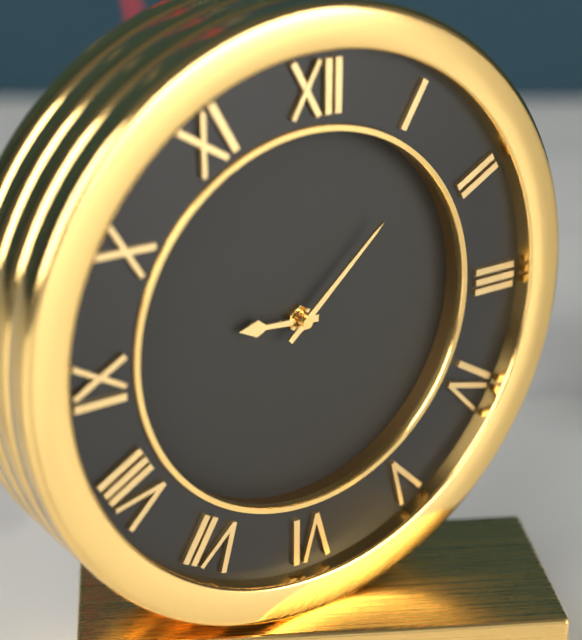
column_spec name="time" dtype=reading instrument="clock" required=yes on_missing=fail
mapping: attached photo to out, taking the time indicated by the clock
9:08
